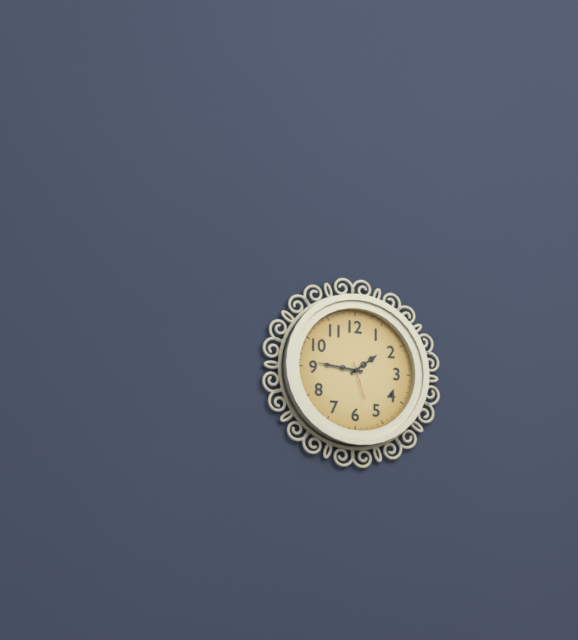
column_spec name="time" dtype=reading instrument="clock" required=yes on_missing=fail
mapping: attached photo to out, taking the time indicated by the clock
1:46
